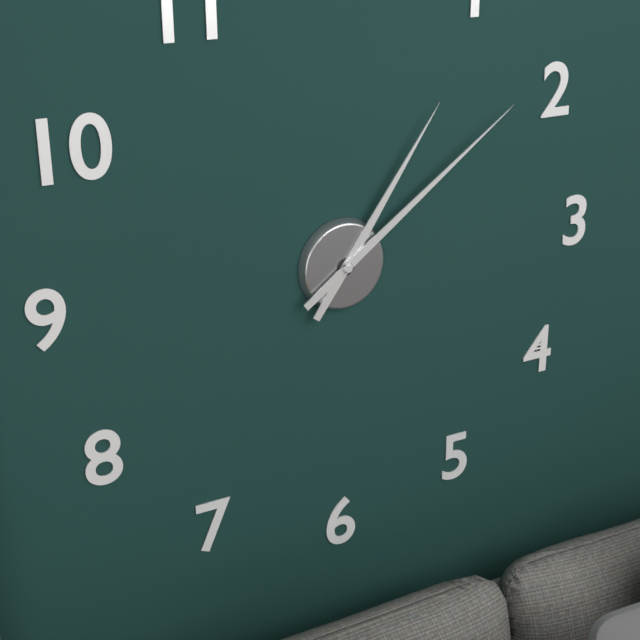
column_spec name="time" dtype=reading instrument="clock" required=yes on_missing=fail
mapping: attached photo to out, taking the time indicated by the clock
1:09
